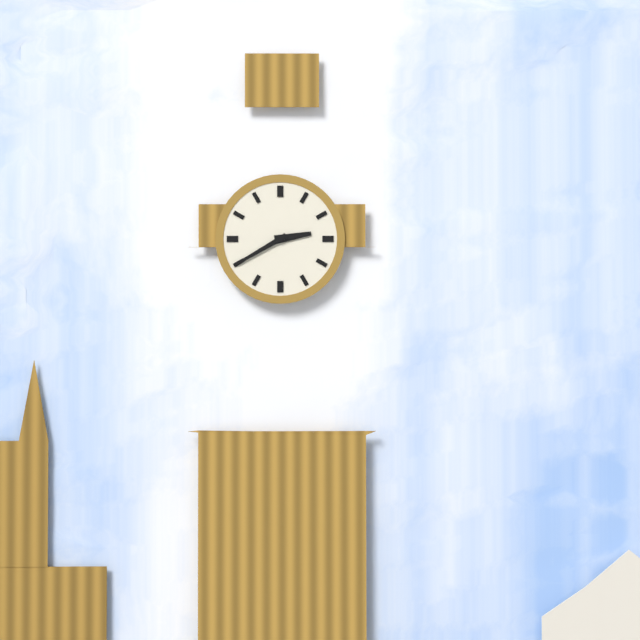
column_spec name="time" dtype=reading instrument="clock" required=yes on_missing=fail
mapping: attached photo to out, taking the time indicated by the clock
2:40
